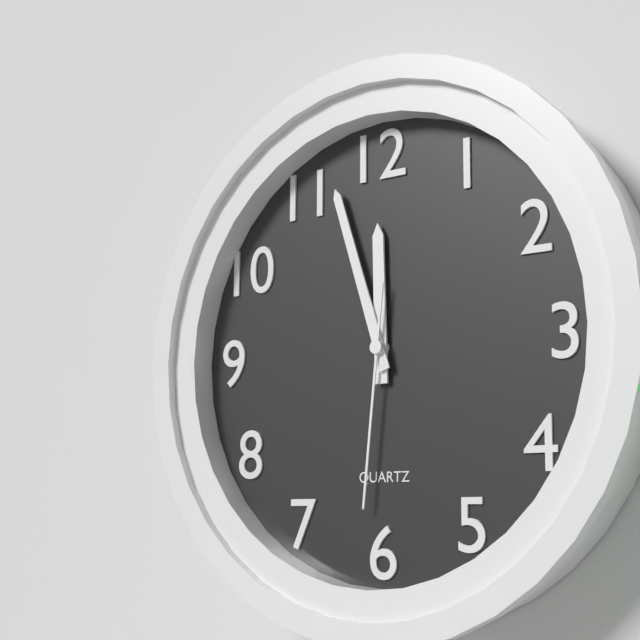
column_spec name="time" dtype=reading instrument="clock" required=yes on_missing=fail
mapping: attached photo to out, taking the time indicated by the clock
11:57:31
